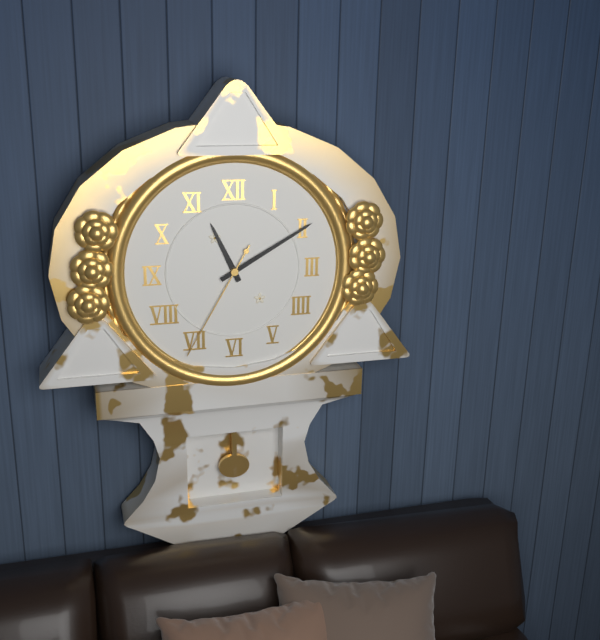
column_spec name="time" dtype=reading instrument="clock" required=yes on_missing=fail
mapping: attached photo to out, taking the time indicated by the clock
11:10:35
